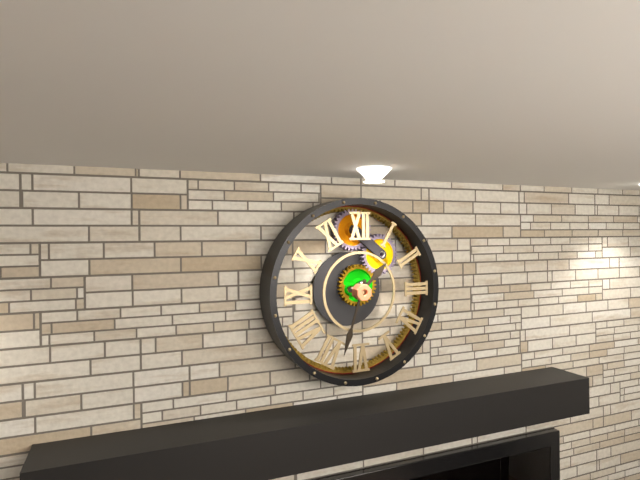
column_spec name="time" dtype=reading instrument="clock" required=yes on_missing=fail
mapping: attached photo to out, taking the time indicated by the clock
1:33
